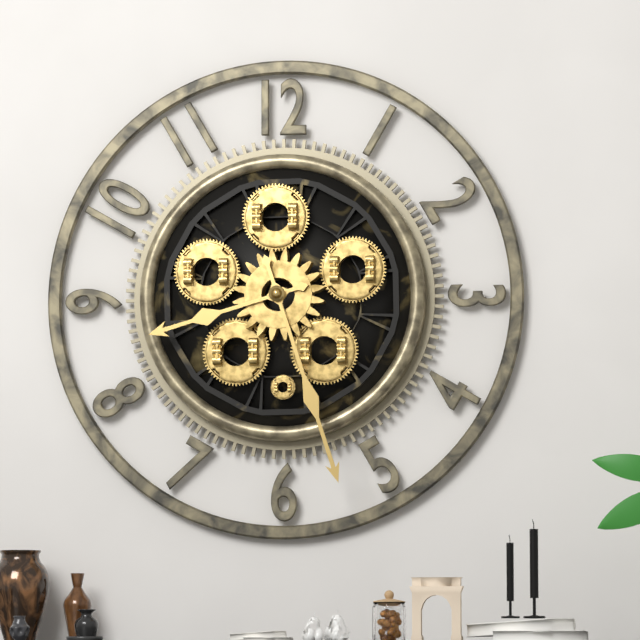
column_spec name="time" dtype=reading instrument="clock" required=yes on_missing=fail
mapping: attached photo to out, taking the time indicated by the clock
8:27
